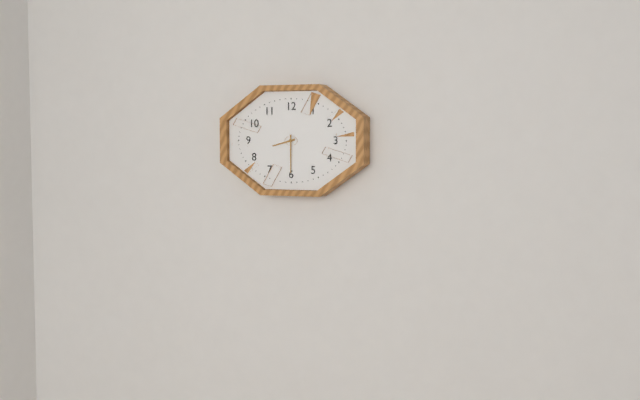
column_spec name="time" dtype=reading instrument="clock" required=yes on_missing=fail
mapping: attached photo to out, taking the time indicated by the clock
8:30
